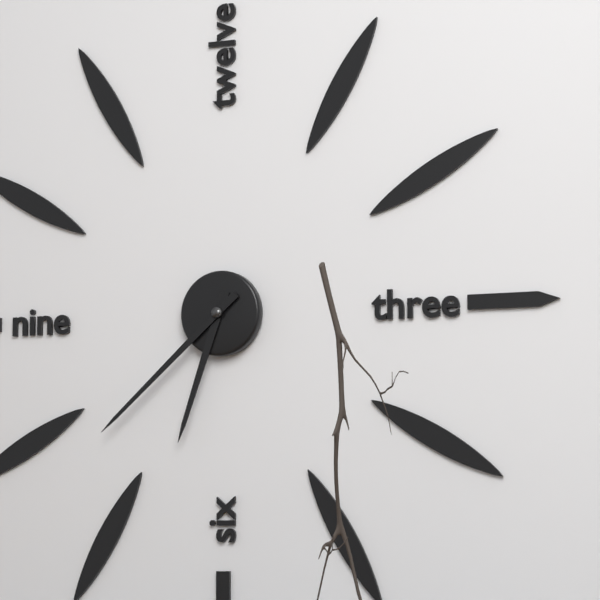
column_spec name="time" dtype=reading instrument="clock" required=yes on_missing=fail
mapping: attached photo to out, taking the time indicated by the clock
6:38
